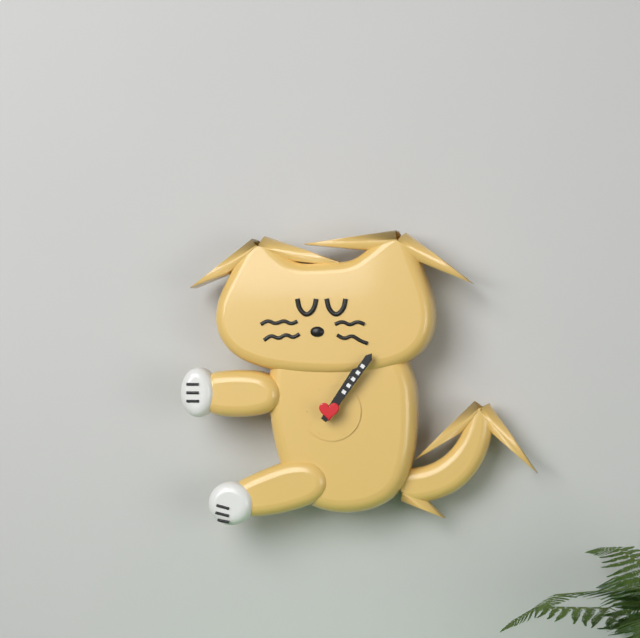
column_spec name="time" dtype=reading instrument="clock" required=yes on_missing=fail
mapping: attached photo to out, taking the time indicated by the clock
1:06
